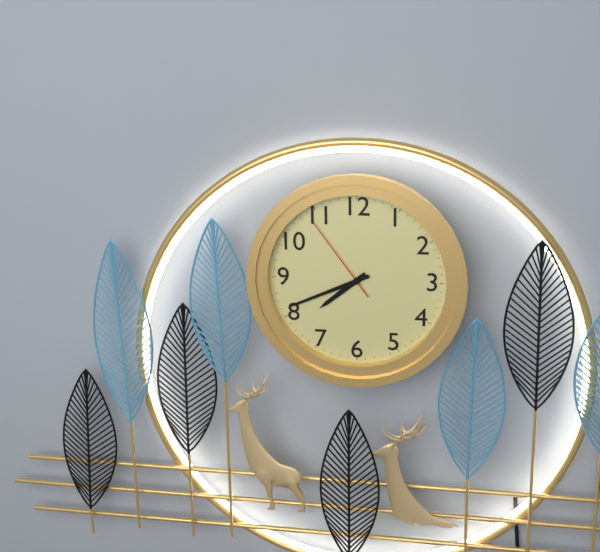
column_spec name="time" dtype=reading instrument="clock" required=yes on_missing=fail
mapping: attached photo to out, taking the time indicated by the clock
7:41:54
